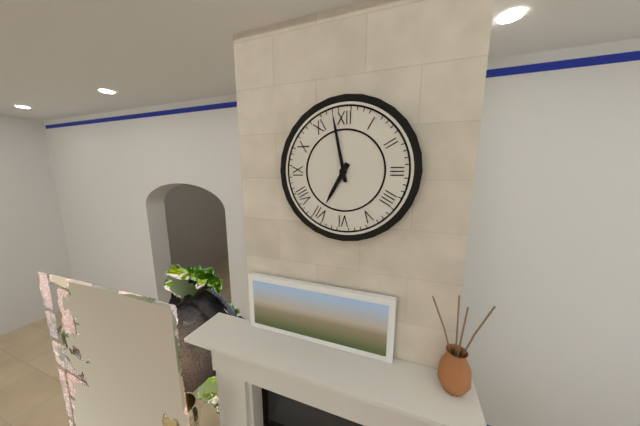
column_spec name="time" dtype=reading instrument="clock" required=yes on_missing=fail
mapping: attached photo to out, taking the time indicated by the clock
6:58
